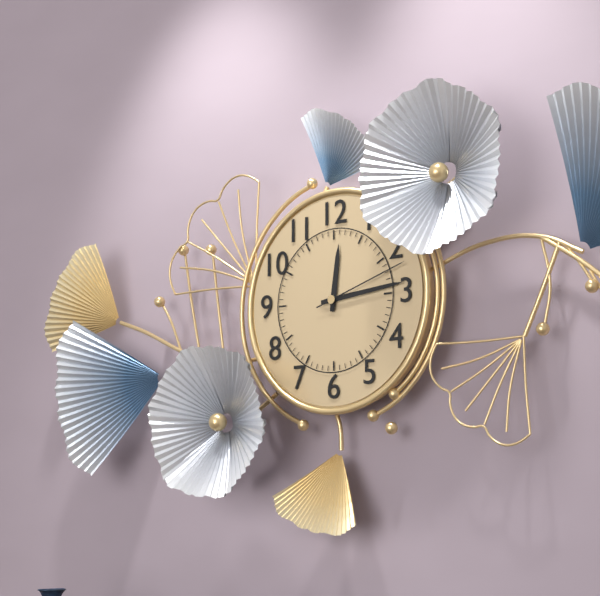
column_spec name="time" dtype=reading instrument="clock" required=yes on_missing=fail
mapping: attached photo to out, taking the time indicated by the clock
12:14:12
